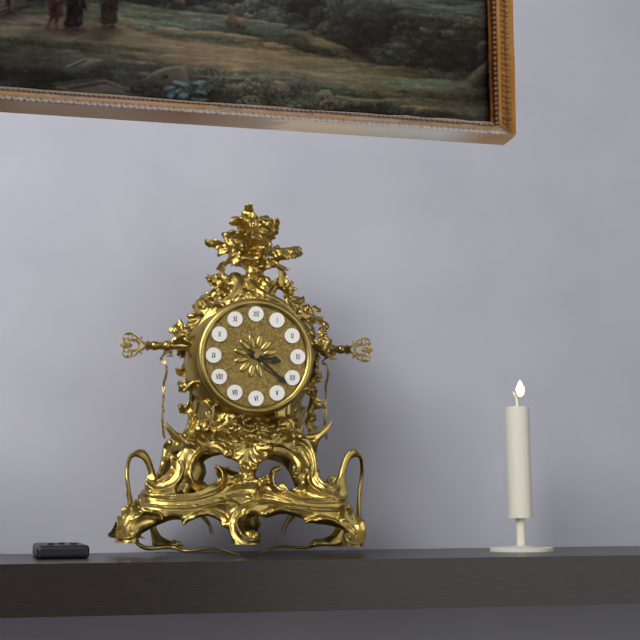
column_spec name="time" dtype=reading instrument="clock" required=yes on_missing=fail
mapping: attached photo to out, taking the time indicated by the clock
3:22
